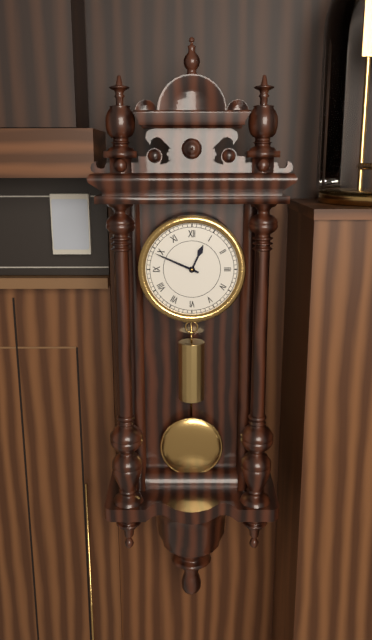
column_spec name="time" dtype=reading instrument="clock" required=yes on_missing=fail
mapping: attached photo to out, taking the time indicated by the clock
12:49
